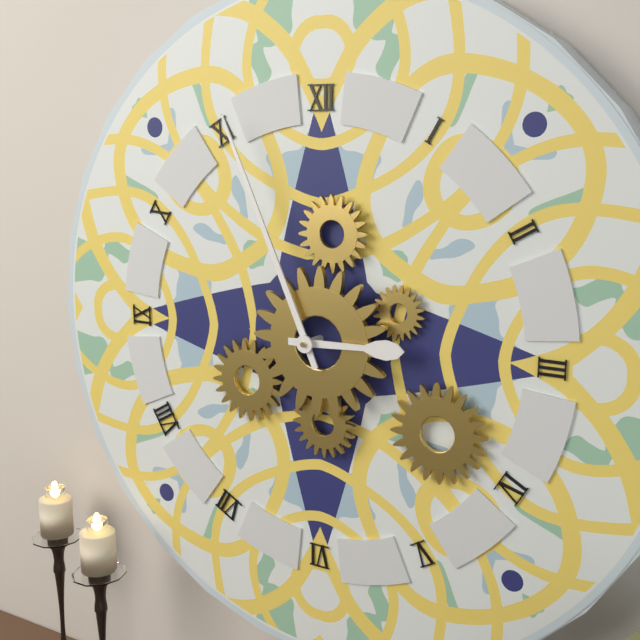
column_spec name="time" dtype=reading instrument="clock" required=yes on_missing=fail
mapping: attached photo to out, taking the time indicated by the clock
2:56
